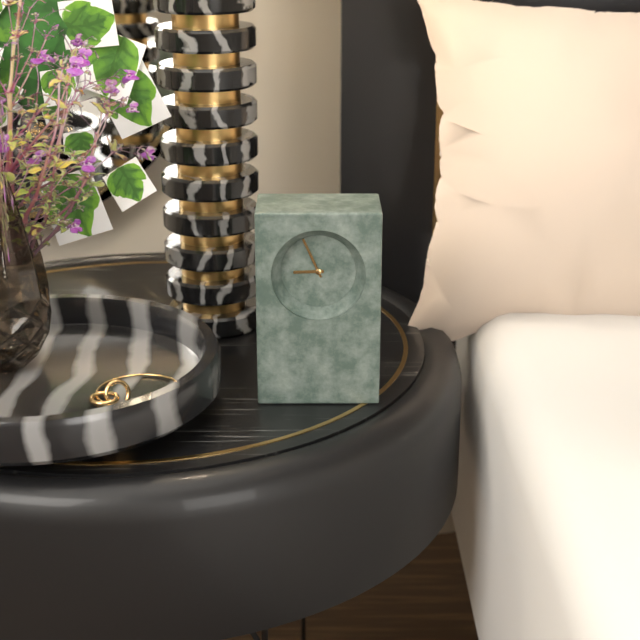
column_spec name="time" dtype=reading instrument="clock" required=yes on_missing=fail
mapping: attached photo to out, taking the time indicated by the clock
8:56
